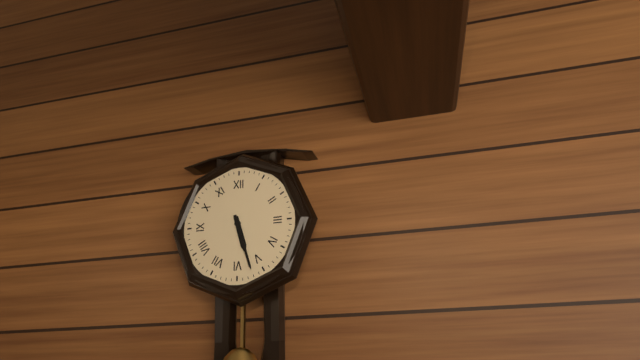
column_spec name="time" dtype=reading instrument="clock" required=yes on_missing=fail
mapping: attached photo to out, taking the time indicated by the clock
5:27
